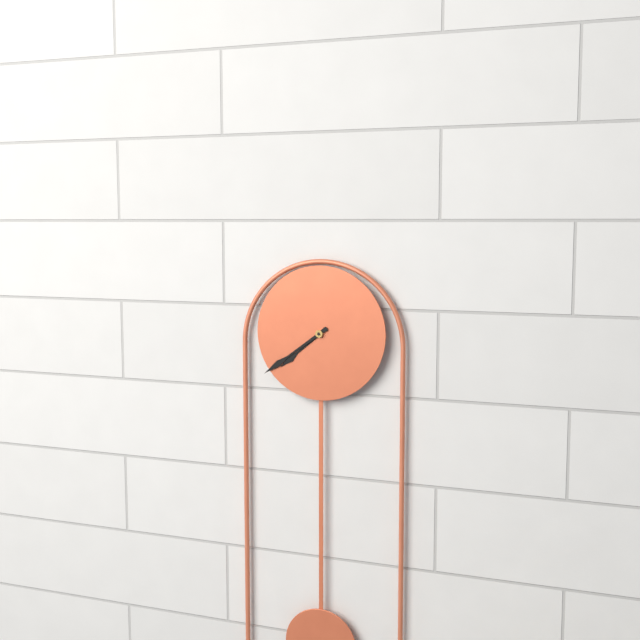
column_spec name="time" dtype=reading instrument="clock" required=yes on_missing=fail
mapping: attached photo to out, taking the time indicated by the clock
7:39
